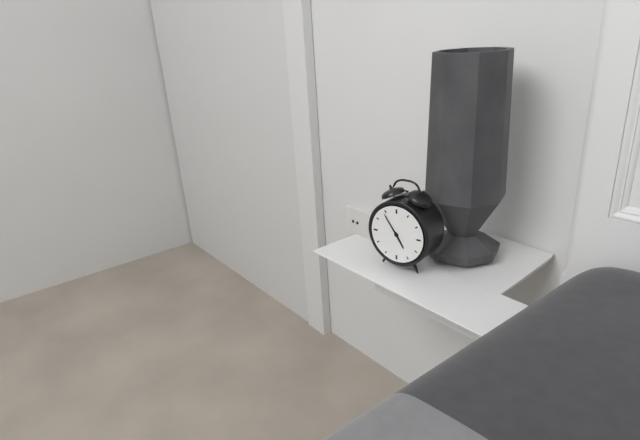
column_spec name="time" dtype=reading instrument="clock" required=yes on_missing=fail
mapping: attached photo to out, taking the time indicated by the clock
4:54
